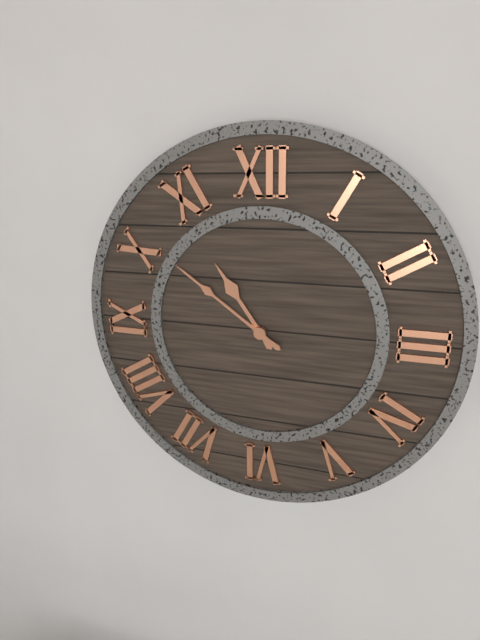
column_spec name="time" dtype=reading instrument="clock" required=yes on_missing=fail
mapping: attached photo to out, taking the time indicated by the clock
10:51
